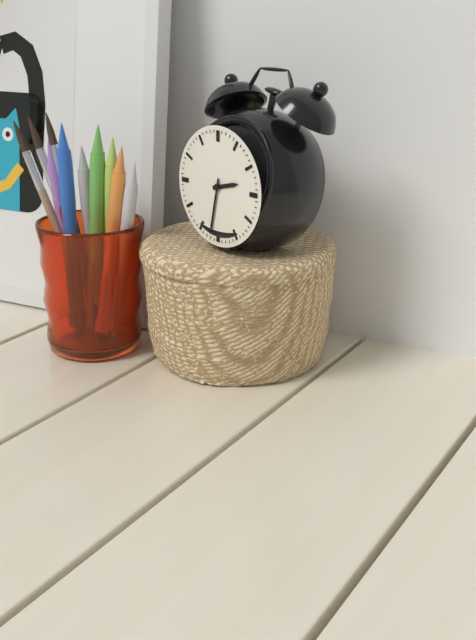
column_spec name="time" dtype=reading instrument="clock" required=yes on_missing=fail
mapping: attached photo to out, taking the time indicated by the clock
2:32
